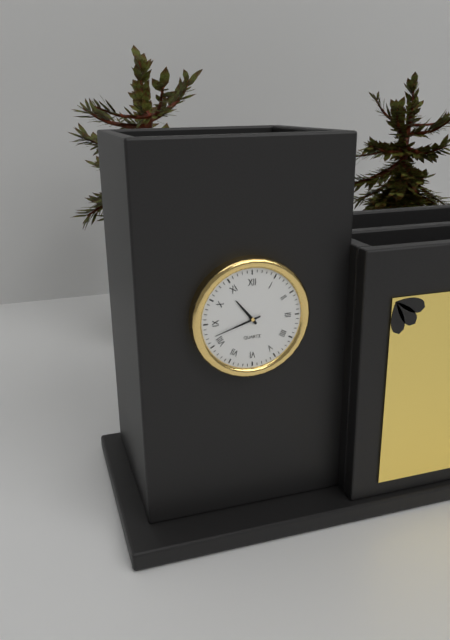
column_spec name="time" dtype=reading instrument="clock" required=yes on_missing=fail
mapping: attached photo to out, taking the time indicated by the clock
10:42
